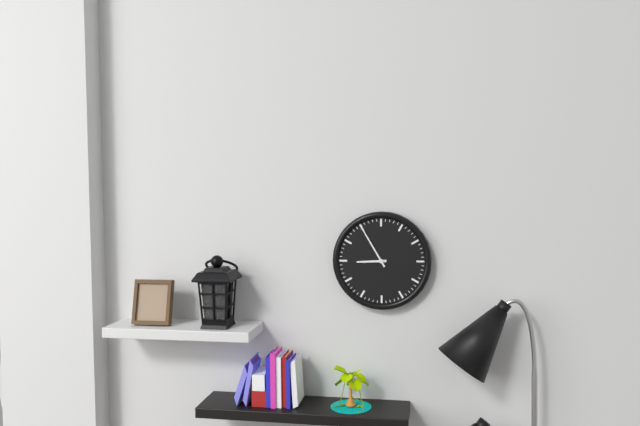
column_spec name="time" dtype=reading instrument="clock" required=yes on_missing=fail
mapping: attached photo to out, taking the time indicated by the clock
8:55
